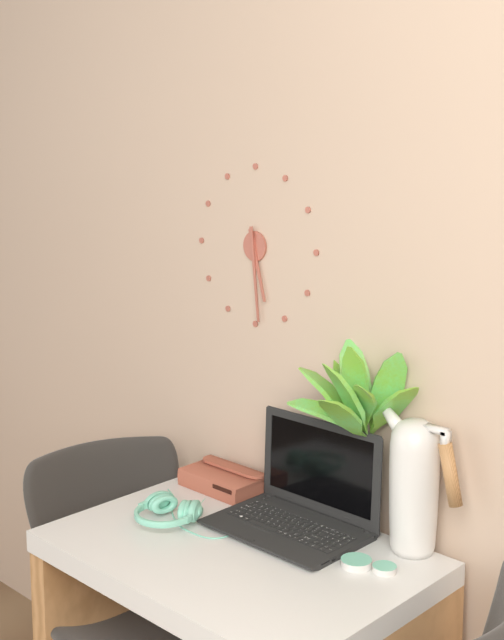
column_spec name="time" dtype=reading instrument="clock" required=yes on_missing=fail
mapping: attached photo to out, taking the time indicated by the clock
5:29
